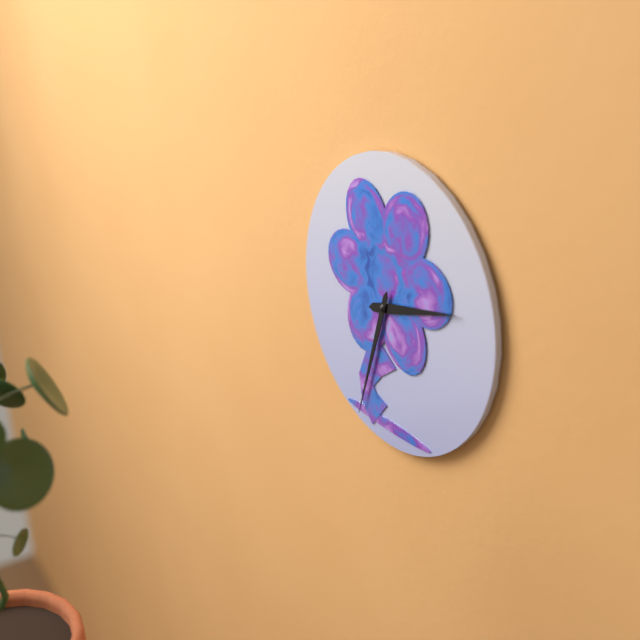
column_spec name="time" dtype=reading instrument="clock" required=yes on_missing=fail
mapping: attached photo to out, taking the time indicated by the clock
2:33
